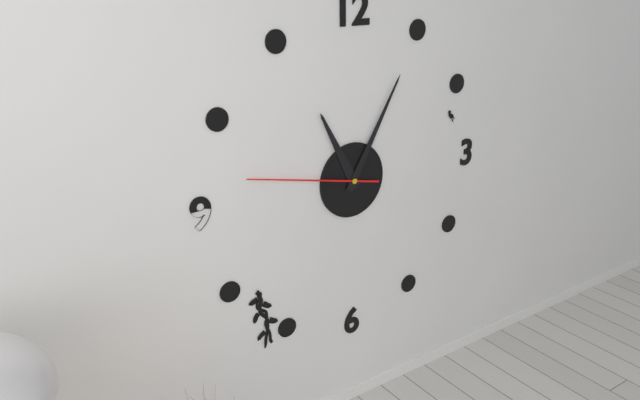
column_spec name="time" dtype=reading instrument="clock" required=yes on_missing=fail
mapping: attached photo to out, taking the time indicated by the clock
11:05:47
